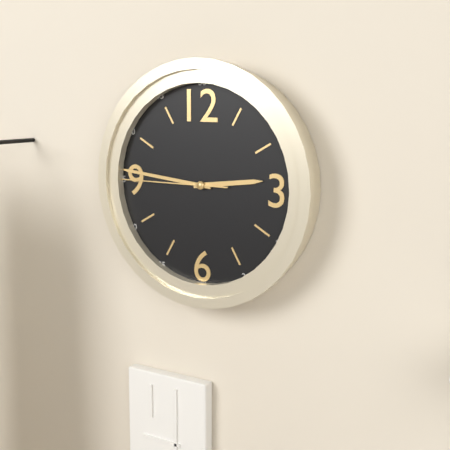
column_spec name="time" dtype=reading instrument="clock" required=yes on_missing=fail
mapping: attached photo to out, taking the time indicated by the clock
2:46:45
